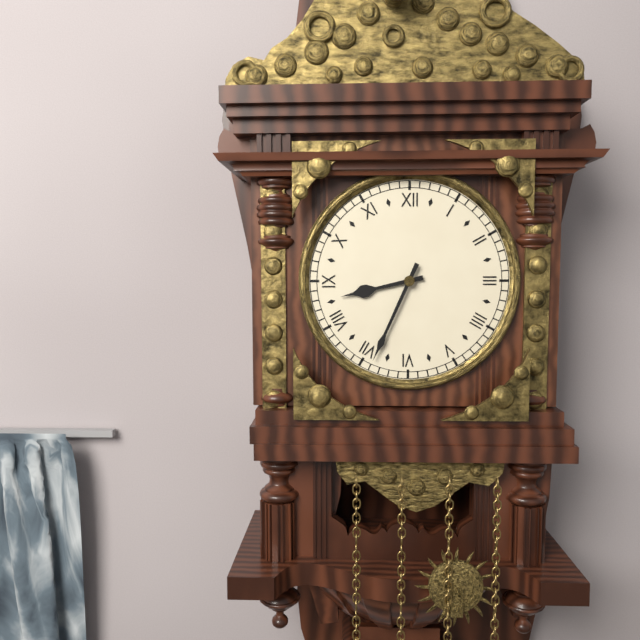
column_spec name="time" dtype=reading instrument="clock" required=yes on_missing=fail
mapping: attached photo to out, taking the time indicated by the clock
8:34
